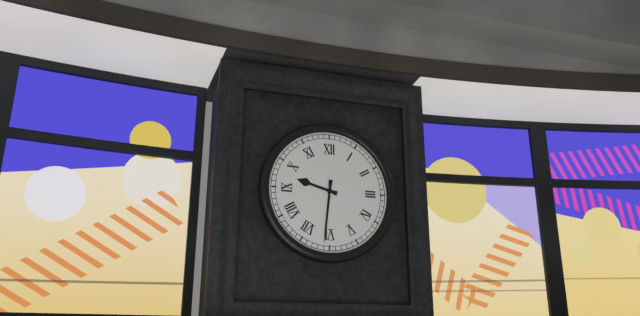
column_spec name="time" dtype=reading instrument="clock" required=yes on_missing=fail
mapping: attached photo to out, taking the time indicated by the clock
9:31
